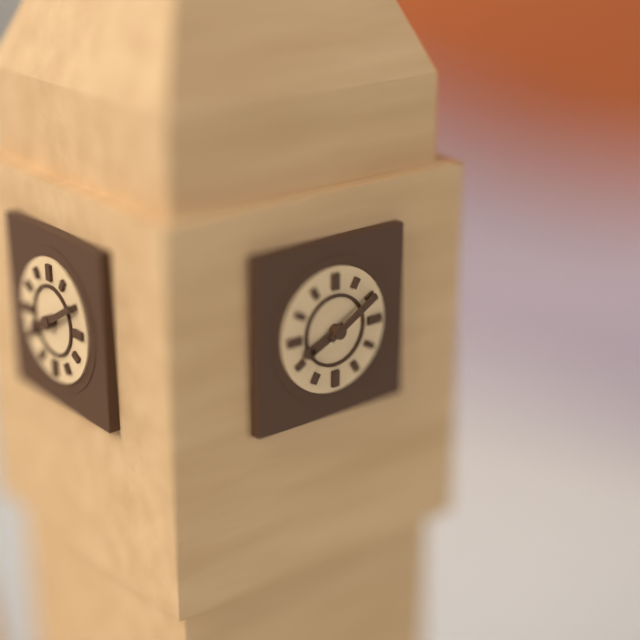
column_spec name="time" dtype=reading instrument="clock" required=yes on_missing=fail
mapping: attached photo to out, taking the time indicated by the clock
8:10
